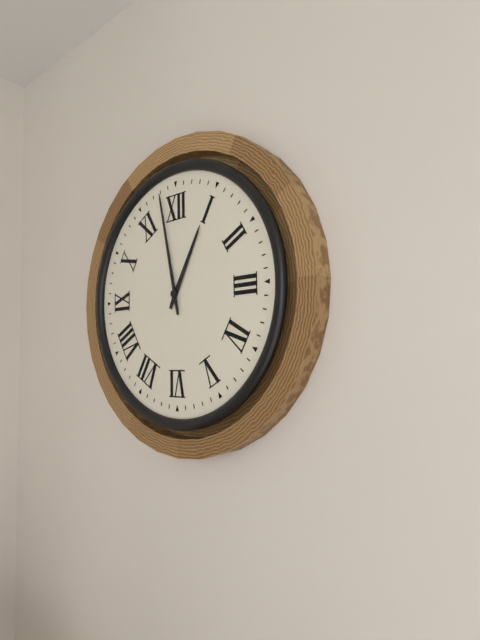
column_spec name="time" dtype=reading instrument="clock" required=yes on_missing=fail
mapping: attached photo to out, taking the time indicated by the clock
12:58
